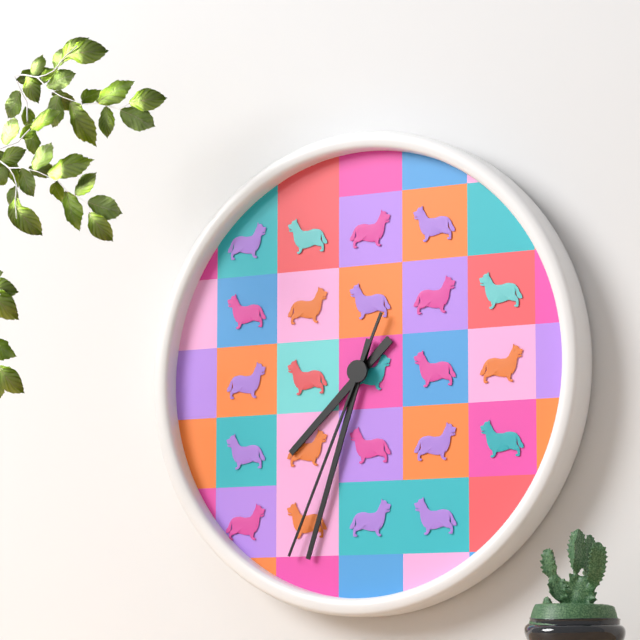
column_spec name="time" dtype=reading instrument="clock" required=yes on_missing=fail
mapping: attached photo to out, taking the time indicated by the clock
7:33:34
